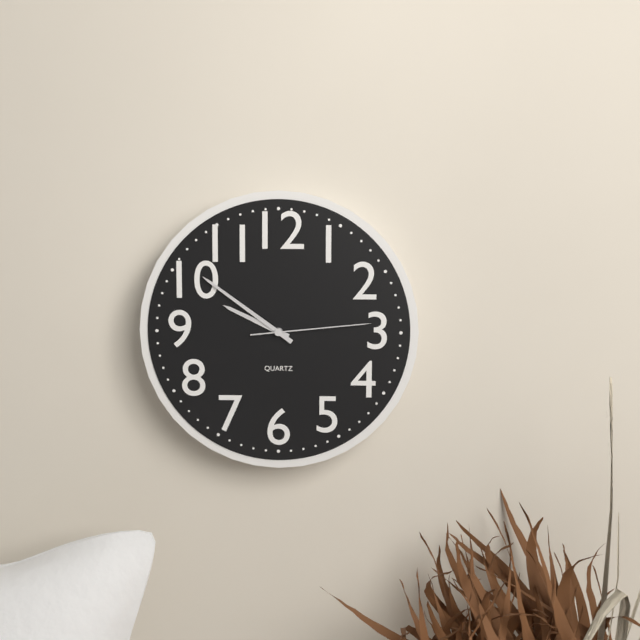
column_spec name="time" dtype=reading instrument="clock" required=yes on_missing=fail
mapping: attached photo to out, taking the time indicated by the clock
9:51:14
